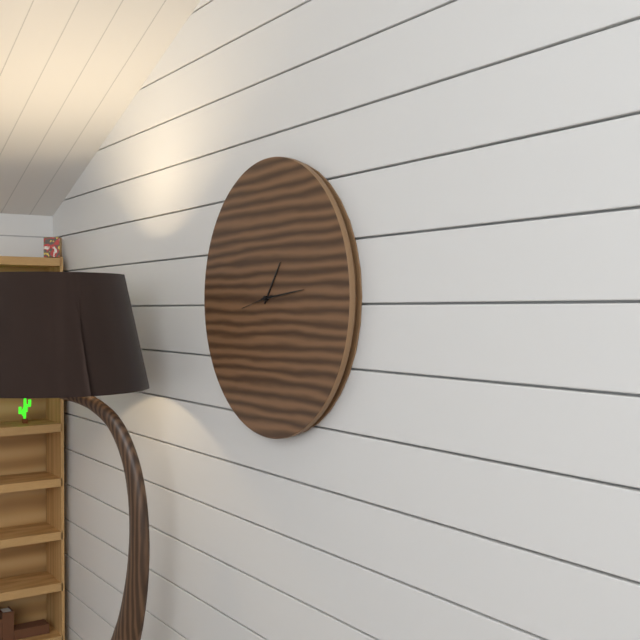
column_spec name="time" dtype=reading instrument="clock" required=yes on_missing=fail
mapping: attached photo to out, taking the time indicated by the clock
1:14
